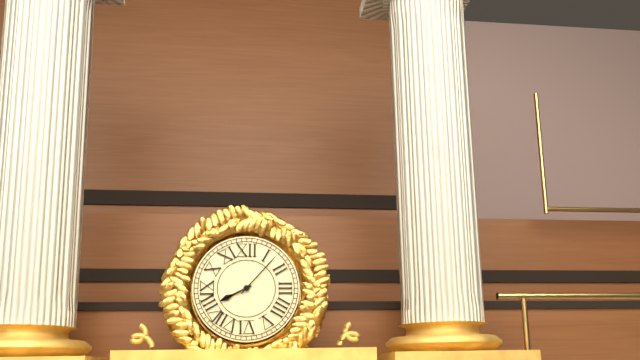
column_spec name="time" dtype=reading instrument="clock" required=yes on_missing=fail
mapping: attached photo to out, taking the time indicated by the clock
8:07
